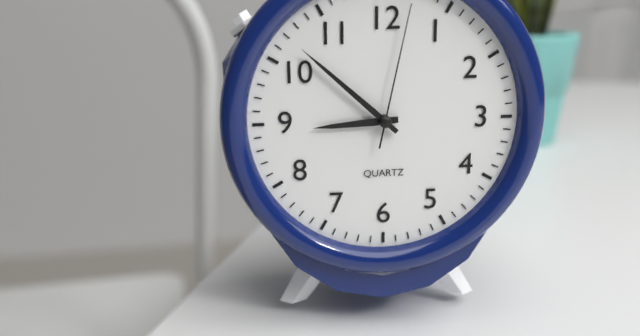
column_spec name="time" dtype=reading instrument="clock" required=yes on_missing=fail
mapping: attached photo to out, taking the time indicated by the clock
8:52:02
